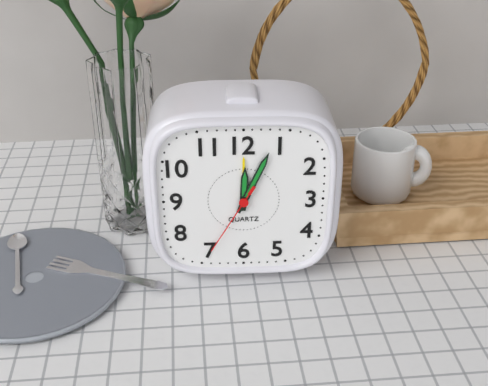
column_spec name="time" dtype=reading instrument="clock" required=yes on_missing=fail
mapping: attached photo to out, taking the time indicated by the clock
12:04:35
